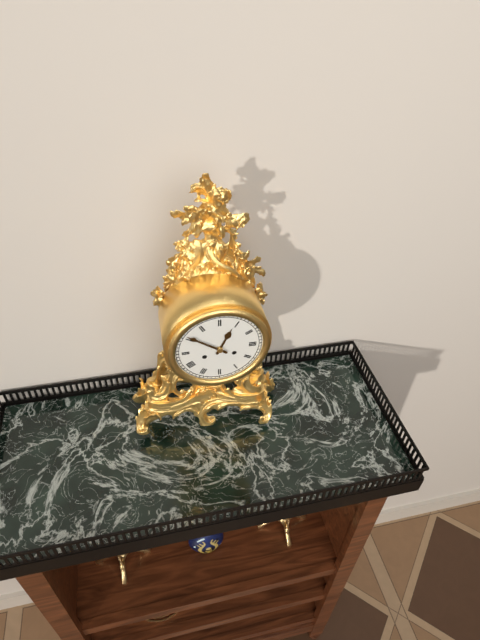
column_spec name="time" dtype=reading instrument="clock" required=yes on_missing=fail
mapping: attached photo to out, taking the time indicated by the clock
12:51
